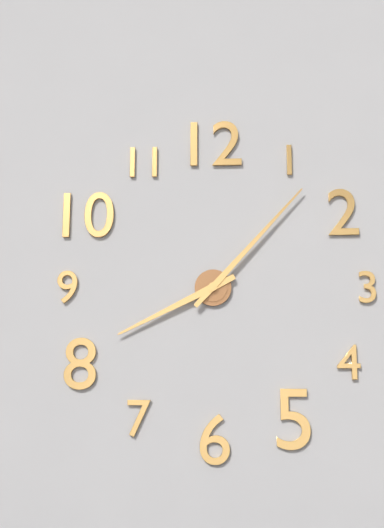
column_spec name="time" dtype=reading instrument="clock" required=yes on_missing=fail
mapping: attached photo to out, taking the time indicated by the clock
8:07
